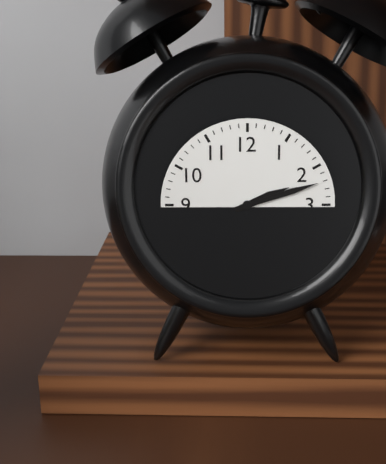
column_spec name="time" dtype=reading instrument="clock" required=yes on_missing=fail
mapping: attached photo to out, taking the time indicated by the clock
2:12
